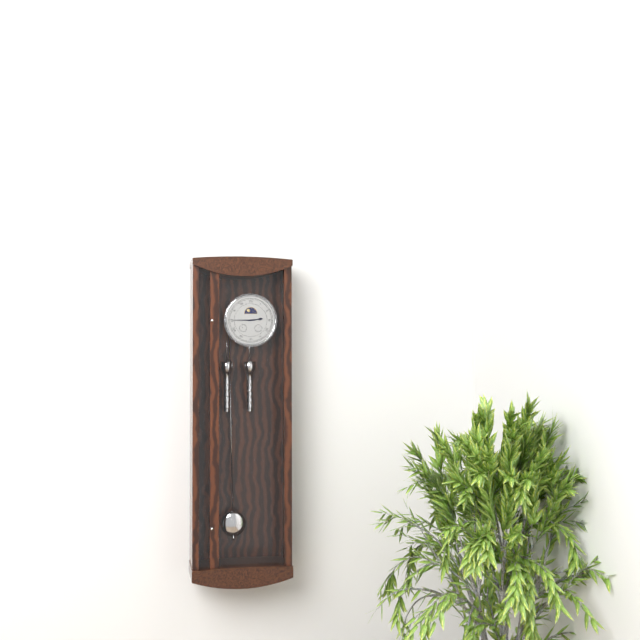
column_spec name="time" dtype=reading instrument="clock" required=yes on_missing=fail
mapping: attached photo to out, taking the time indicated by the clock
2:45
